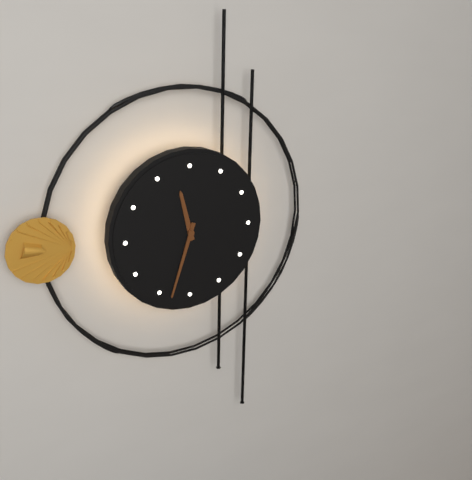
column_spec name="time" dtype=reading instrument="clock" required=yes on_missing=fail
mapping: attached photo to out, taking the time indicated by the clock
11:33
